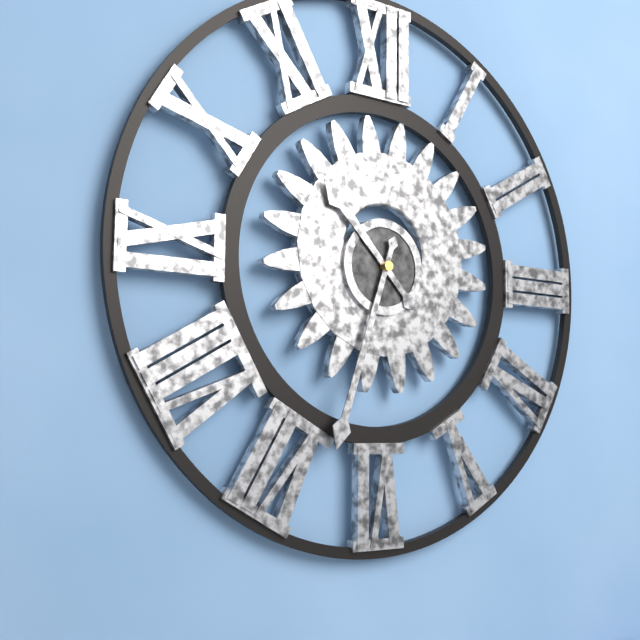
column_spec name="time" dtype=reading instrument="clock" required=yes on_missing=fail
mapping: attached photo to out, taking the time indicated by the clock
10:33
